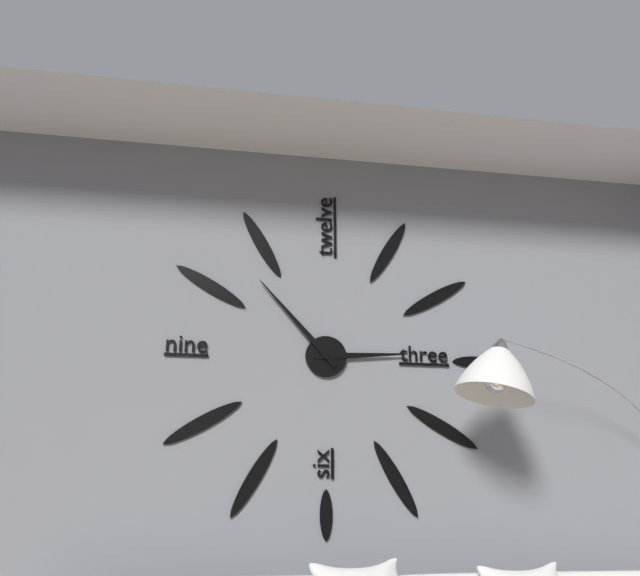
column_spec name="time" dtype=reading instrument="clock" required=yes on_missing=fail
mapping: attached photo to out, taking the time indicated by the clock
2:53
